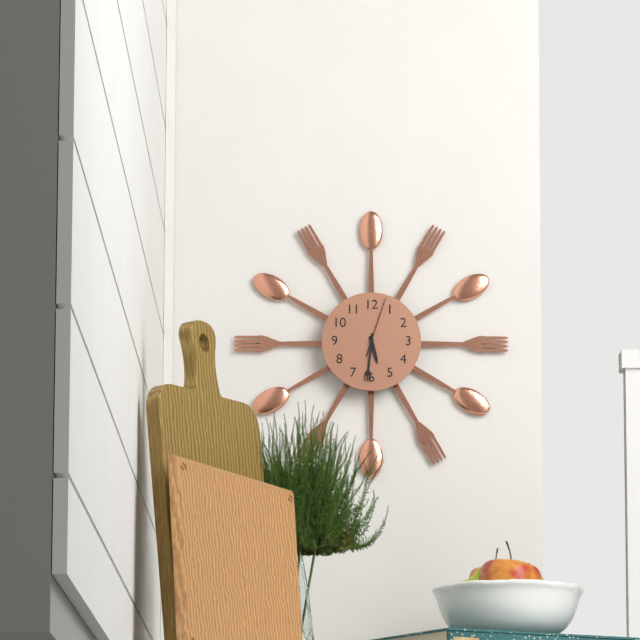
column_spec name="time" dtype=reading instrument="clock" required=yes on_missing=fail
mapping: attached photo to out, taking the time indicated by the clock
5:31:03
